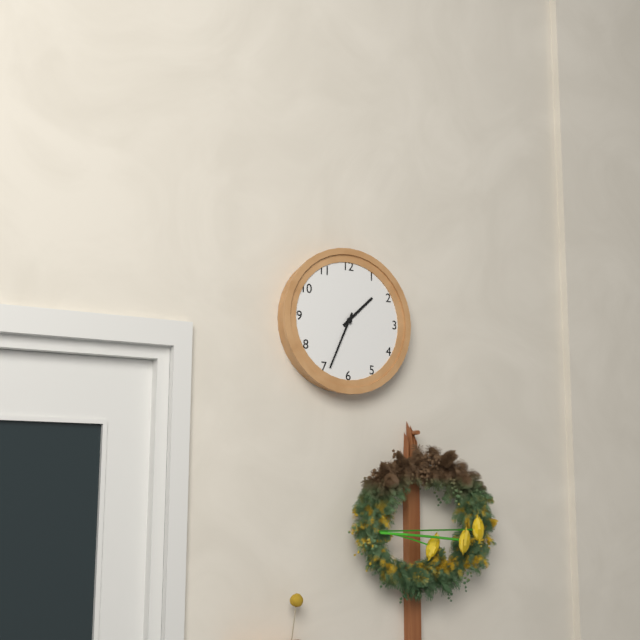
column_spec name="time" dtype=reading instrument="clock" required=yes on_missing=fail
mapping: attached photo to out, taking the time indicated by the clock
1:34
